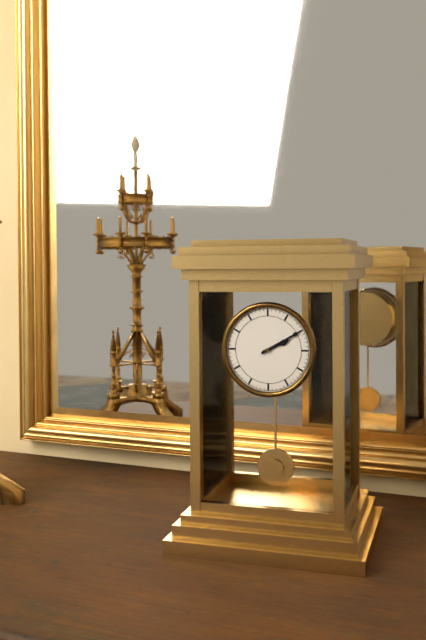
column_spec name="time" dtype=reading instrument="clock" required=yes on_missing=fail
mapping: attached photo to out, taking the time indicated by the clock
2:10
